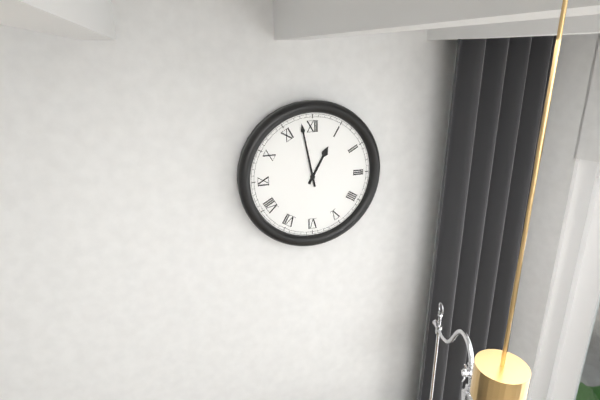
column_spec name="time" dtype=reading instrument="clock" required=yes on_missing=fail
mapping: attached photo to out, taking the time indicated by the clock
12:58
